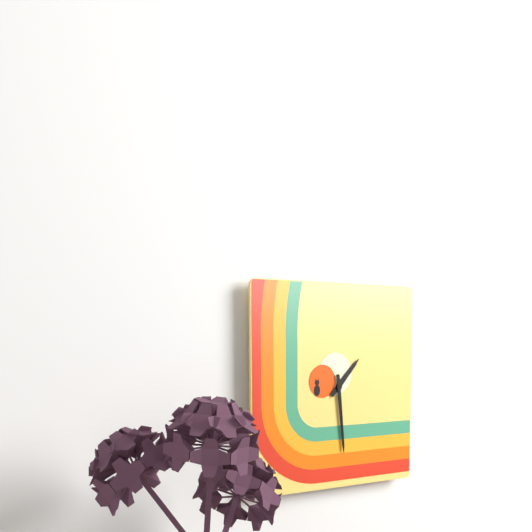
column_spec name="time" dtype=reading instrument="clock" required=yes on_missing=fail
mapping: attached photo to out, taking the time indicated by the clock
1:29
